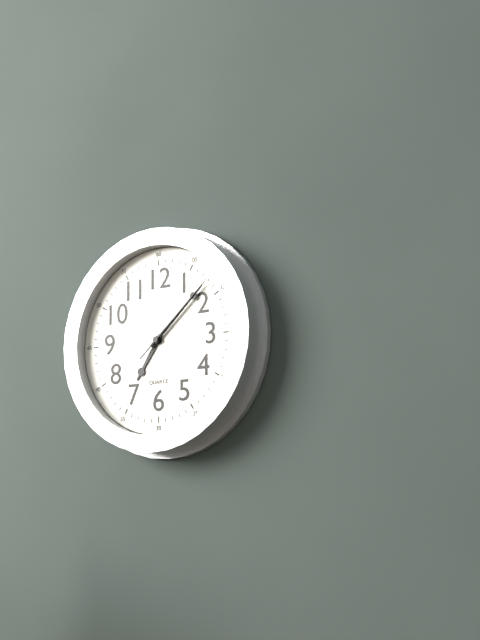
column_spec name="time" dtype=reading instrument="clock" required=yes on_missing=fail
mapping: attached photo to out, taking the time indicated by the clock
7:08:08
